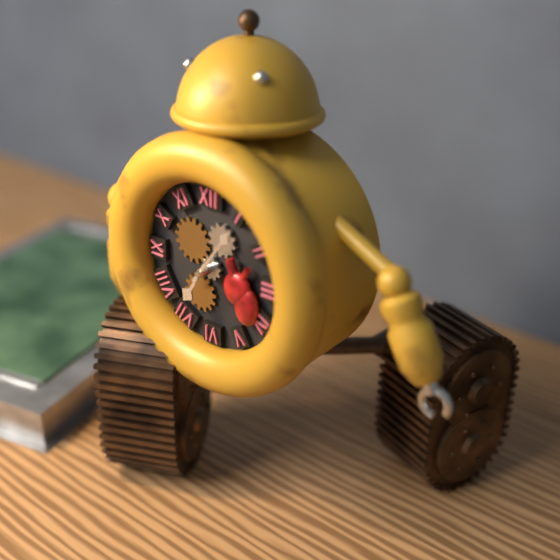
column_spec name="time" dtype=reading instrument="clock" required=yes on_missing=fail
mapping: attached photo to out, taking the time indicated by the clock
7:06
